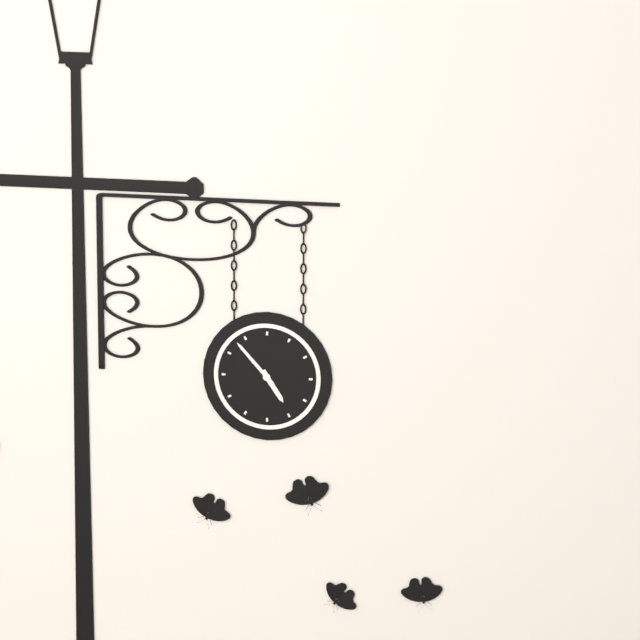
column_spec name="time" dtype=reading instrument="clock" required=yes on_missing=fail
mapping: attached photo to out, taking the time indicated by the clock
4:53
